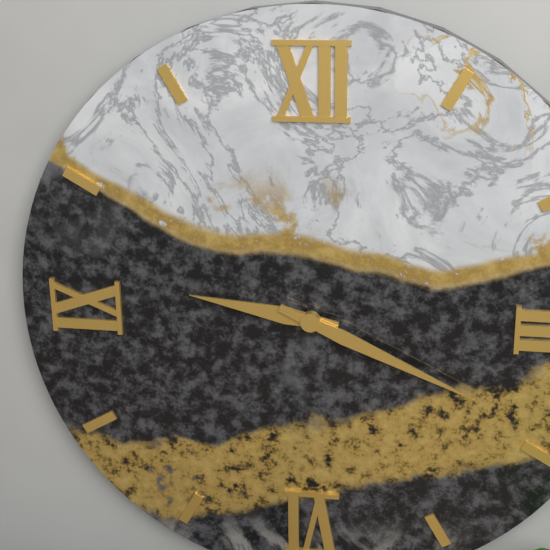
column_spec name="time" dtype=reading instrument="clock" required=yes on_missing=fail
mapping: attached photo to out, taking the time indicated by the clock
9:19
